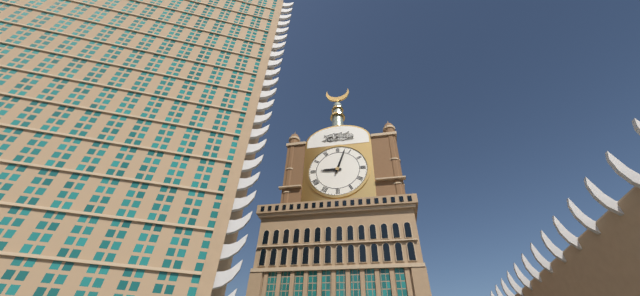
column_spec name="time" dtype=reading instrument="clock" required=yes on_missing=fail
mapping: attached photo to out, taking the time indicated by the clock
9:03
